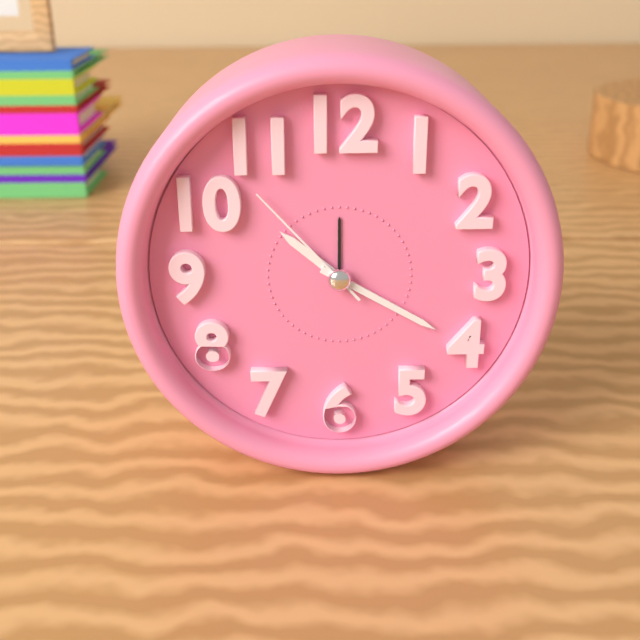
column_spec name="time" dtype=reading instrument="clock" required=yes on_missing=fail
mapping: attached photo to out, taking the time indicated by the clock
10:20:53
